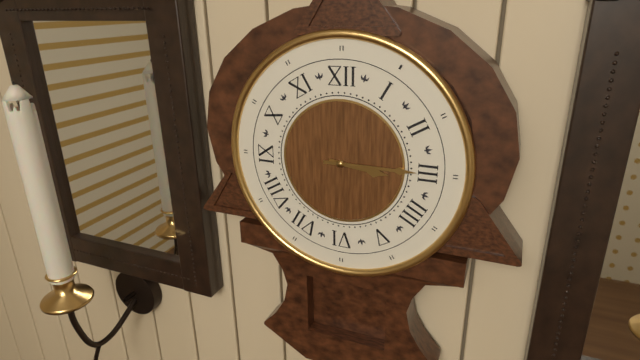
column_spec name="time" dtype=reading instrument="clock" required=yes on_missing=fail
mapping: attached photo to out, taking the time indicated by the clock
3:15
